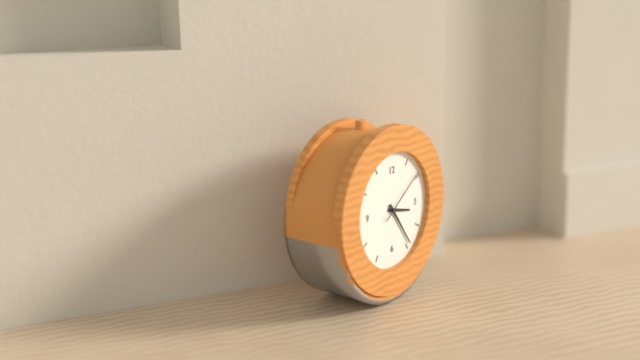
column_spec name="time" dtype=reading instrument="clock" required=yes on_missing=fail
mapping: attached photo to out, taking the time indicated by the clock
3:24:09
